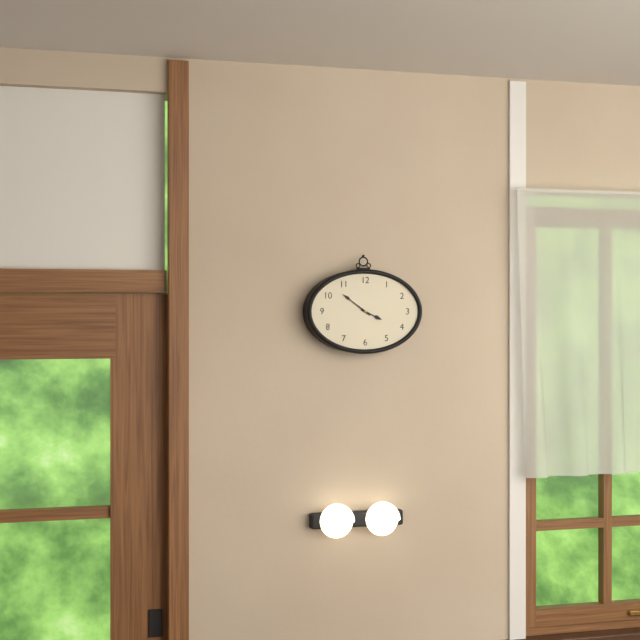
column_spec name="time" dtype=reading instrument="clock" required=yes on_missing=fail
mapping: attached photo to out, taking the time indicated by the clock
3:51
